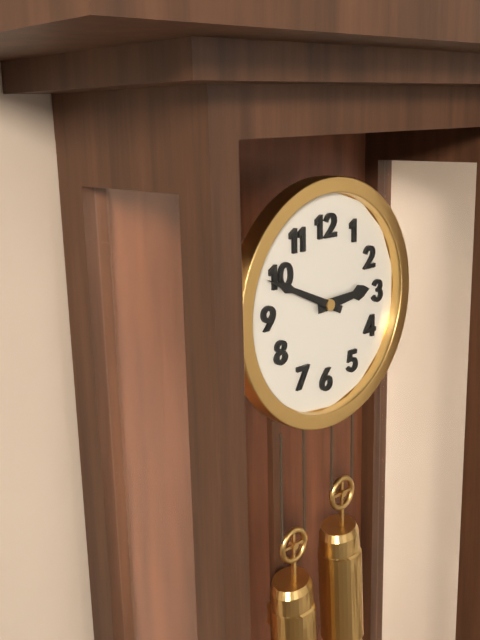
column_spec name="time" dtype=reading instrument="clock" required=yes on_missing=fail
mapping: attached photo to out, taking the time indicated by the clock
2:49
